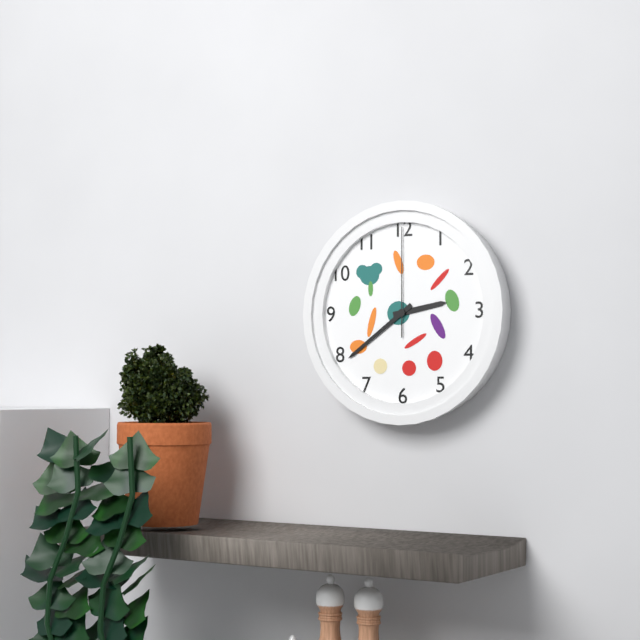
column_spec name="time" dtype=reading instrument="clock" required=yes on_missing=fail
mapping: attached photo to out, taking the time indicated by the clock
2:39:00
